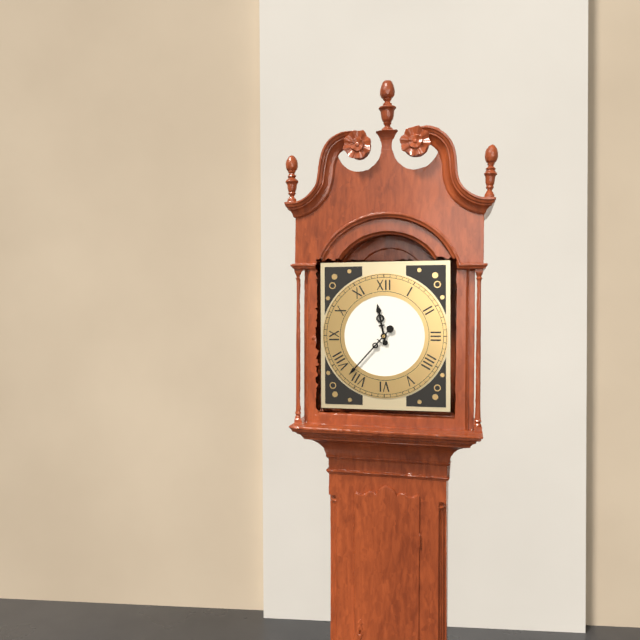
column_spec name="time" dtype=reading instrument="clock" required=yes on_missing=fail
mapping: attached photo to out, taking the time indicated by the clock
11:37
